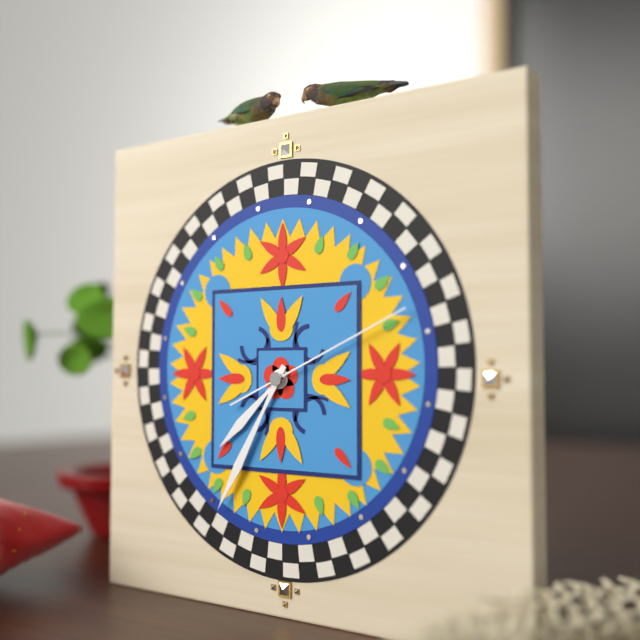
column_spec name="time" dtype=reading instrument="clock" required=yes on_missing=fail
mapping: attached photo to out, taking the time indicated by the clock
7:35:11
